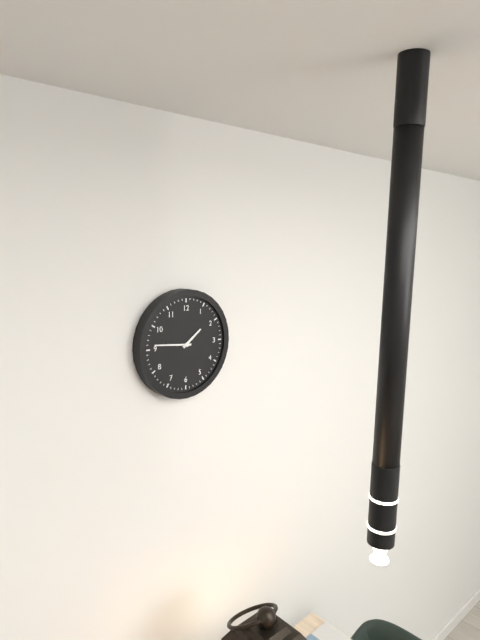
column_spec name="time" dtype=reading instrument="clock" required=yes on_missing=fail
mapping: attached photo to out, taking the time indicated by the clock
1:46
